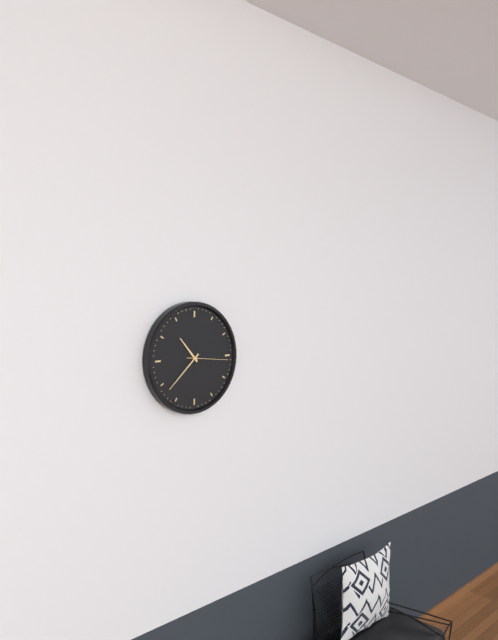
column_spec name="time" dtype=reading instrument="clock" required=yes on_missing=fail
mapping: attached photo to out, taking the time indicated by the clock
10:38
